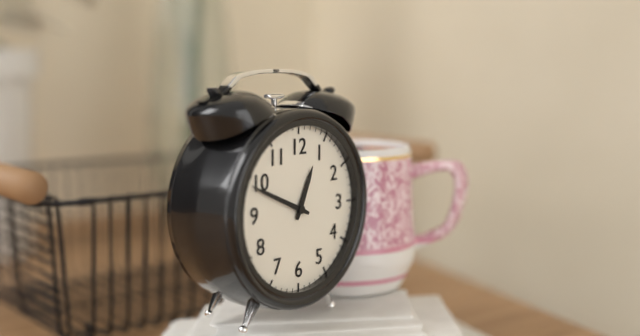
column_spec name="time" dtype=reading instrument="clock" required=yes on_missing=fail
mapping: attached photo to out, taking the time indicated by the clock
12:49
